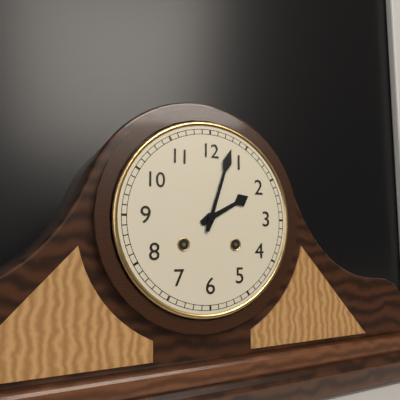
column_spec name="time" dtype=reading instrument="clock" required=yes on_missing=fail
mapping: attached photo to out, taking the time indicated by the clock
2:03
